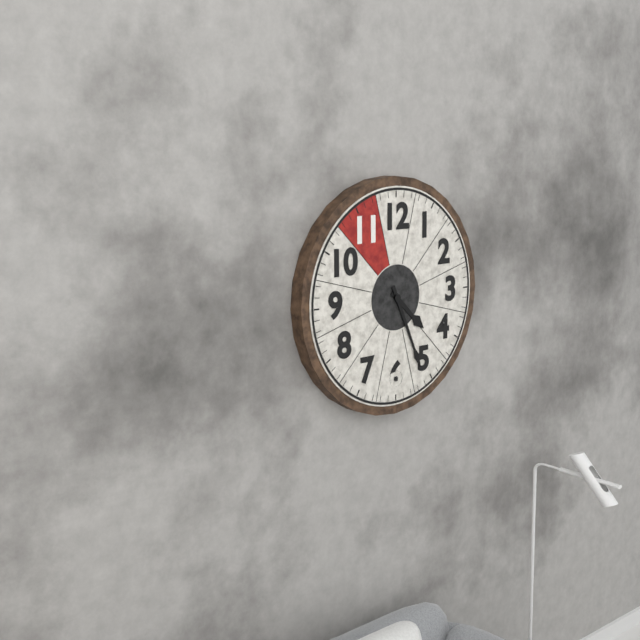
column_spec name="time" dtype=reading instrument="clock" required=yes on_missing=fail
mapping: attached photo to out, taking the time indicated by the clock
4:26
